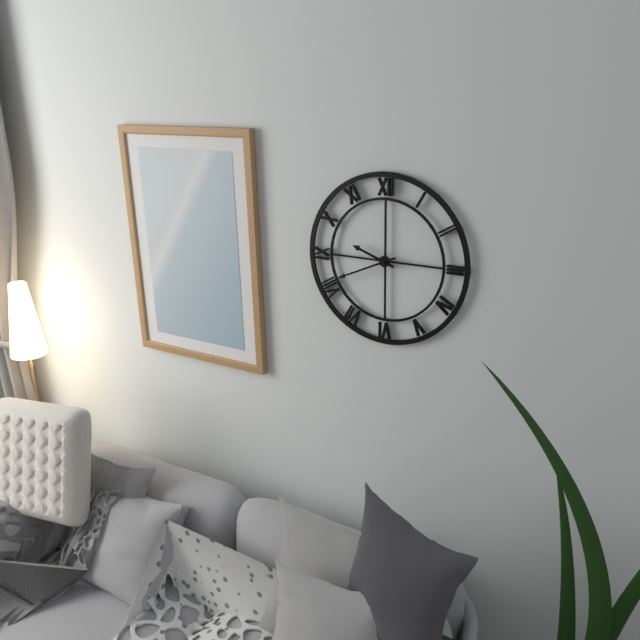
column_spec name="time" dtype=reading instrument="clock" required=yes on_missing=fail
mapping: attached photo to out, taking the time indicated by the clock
9:41
